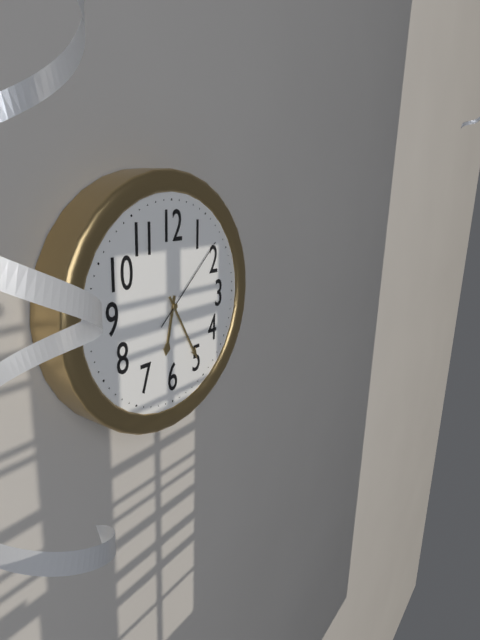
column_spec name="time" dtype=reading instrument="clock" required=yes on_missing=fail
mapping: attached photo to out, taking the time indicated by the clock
6:25:08
